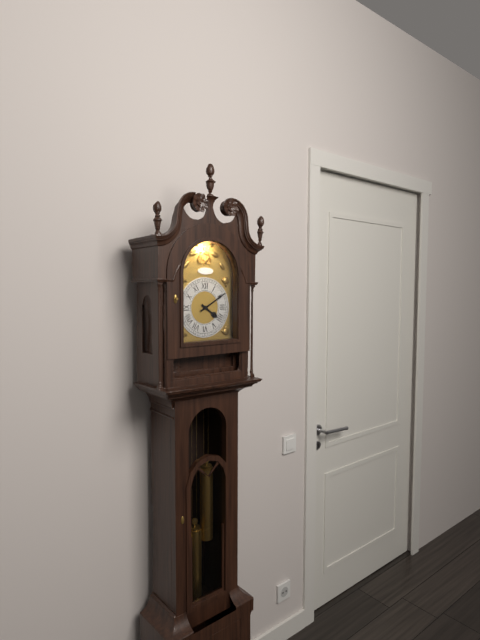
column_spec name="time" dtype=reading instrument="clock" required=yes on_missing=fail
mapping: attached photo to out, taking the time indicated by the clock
4:10
